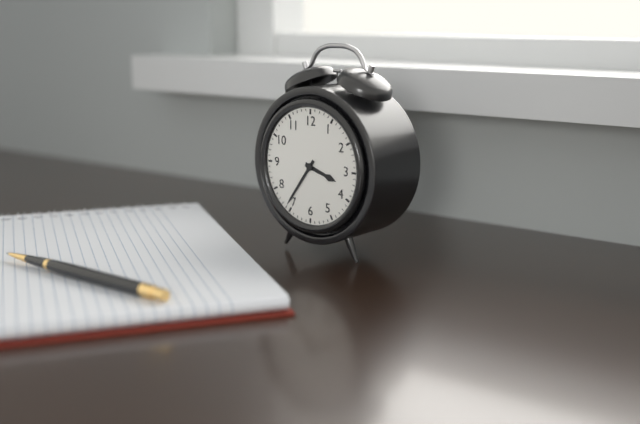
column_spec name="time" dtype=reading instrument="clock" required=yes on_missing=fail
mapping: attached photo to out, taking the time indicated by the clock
3:36
